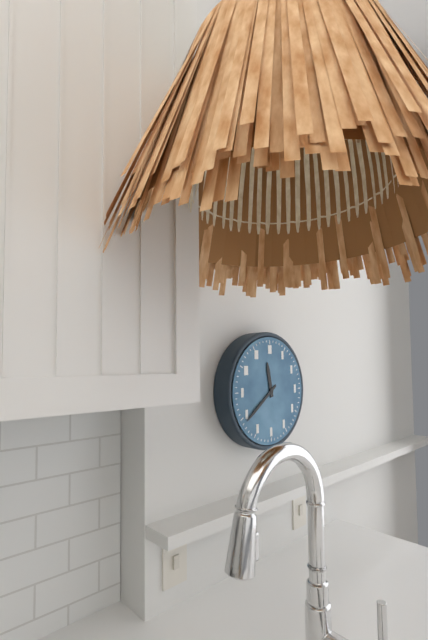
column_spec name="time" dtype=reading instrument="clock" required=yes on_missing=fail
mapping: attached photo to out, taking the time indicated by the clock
11:39
